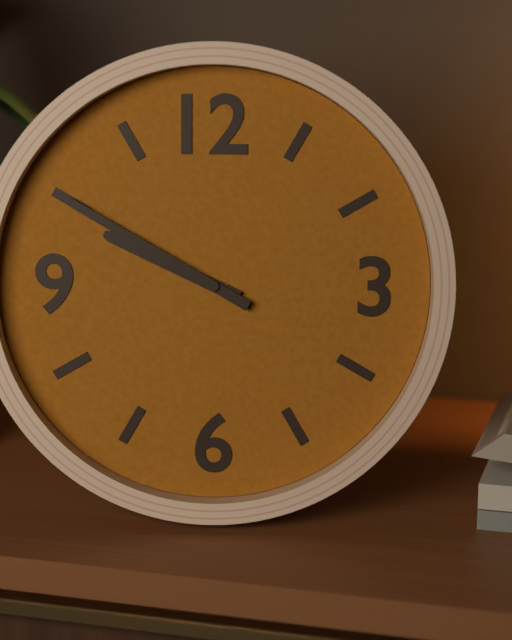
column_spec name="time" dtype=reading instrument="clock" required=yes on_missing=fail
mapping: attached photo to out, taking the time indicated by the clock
9:50
